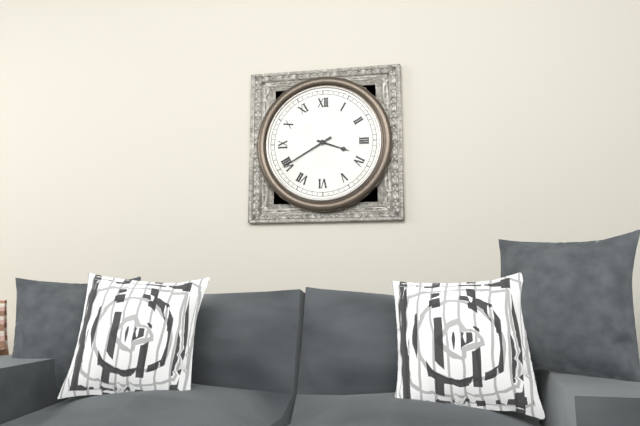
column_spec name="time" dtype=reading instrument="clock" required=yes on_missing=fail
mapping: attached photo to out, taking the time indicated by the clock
3:40
